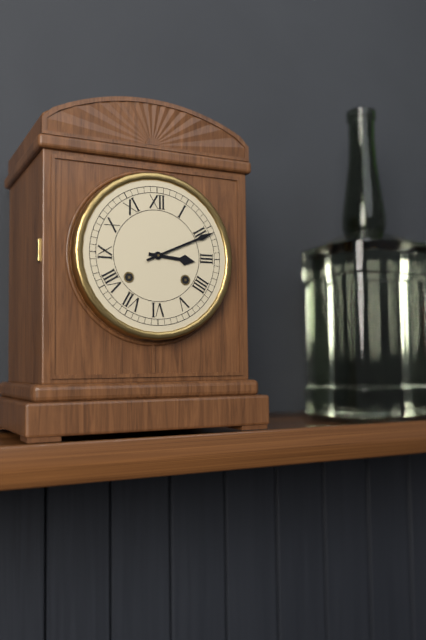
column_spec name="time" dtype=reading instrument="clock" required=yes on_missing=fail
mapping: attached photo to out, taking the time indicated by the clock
3:11
